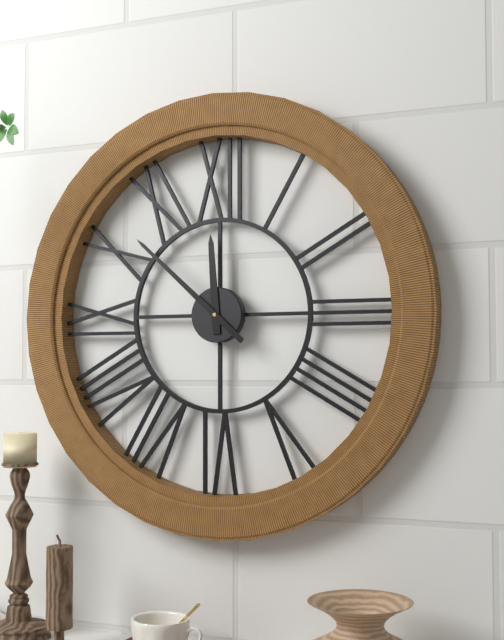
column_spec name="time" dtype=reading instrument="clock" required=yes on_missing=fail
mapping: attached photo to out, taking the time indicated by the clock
11:52
